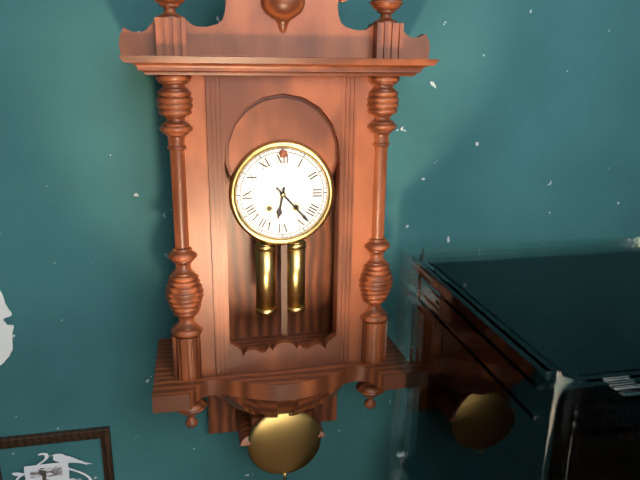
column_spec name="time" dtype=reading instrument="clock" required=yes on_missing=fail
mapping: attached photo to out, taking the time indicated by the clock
6:23
